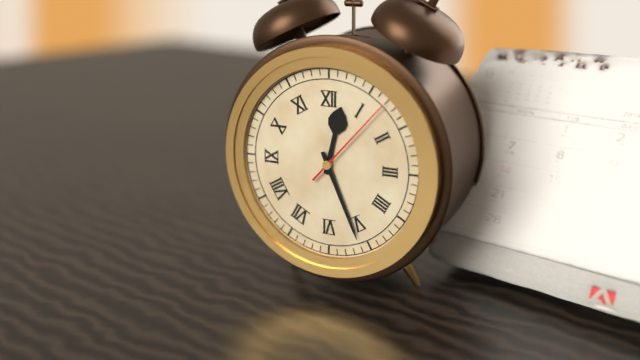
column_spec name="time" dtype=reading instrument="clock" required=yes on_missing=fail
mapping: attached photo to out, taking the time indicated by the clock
12:26:07
